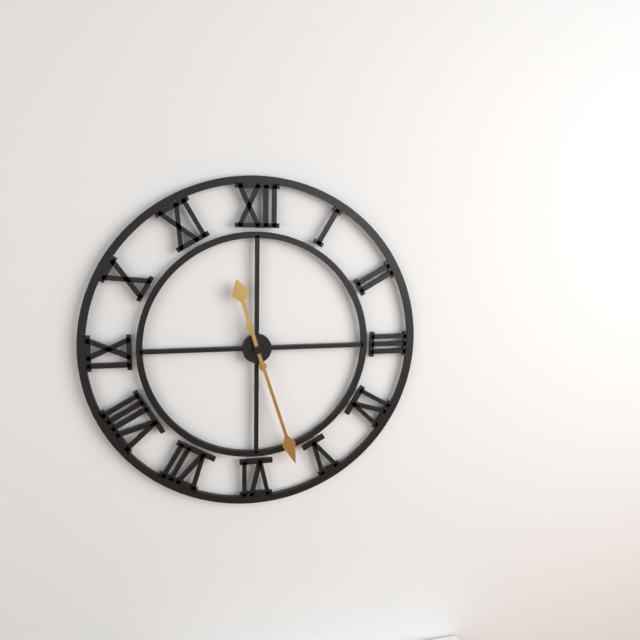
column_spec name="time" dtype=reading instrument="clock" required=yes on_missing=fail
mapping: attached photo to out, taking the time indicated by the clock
11:27
